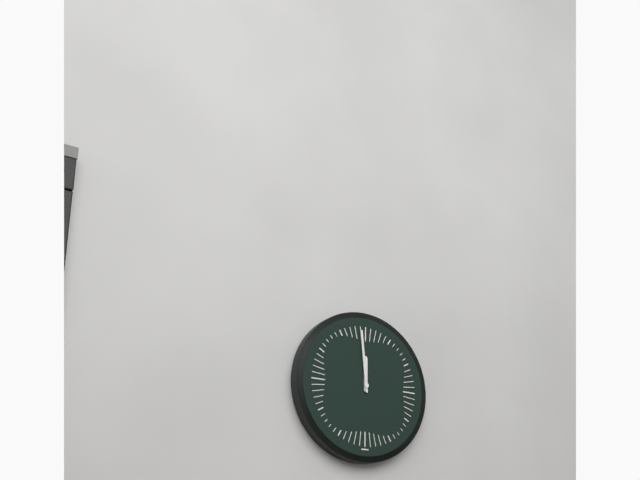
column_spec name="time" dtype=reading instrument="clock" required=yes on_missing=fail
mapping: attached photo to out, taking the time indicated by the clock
11:59
